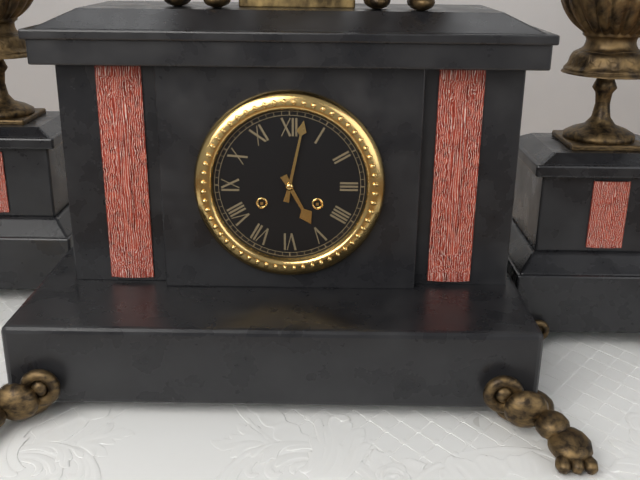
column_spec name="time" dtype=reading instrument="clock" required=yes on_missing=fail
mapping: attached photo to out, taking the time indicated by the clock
5:02
